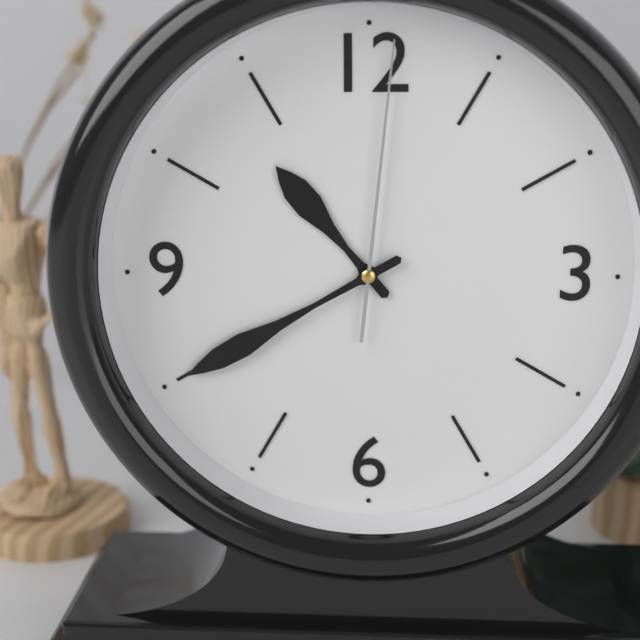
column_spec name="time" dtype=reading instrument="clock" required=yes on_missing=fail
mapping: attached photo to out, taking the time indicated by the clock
10:40:01
